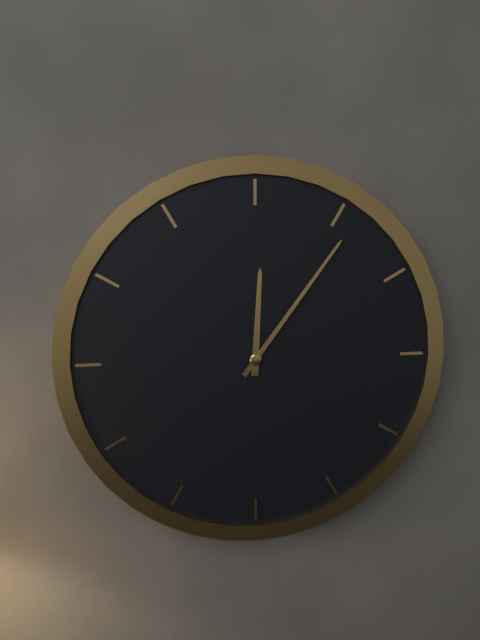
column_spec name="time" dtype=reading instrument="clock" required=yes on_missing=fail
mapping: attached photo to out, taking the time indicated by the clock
12:06
